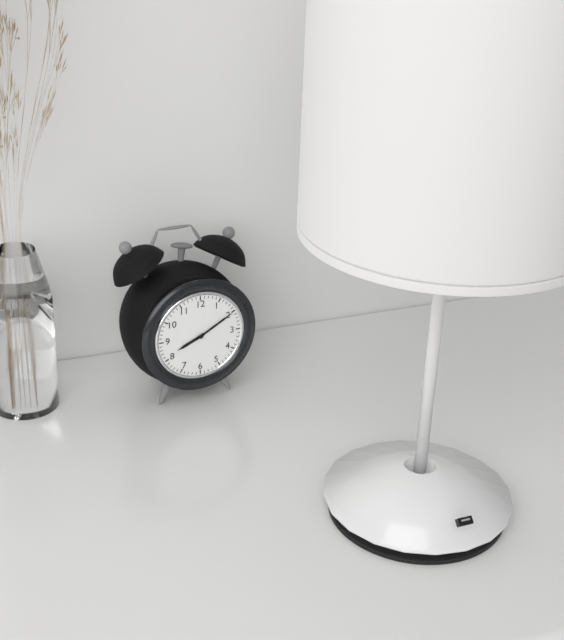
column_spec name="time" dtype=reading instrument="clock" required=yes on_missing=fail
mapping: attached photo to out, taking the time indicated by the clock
8:10
